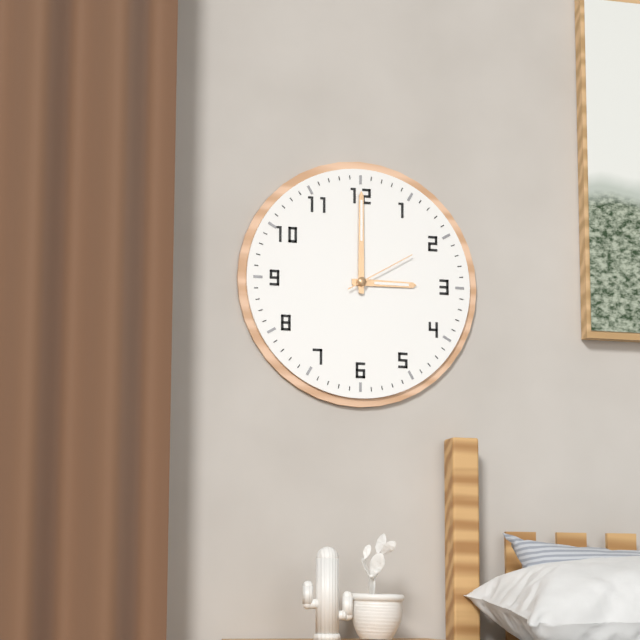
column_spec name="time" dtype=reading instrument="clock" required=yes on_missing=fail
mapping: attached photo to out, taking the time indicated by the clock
3:00:10
